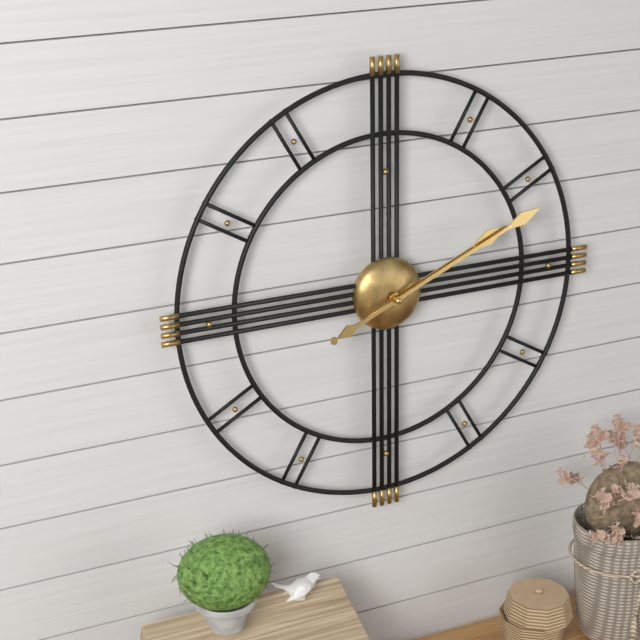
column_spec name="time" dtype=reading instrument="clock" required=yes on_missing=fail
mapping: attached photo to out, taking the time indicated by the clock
2:11
